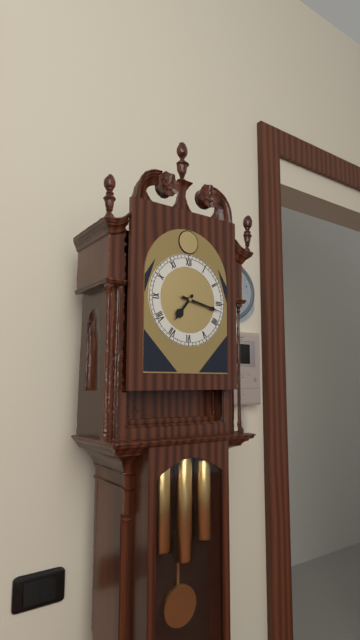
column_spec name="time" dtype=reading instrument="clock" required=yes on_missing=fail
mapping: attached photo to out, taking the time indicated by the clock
7:17
